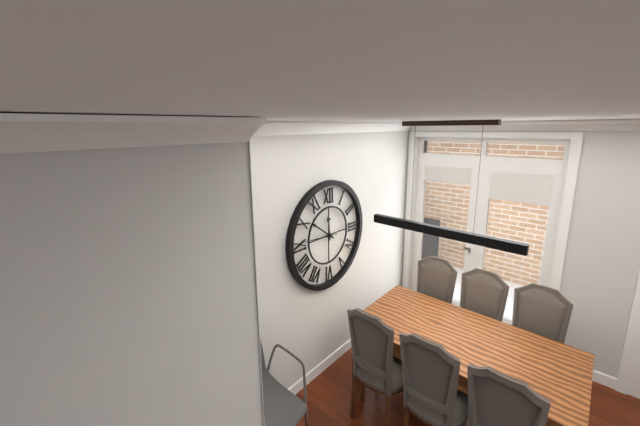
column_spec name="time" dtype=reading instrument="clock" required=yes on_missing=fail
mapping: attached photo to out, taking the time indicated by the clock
11:51
